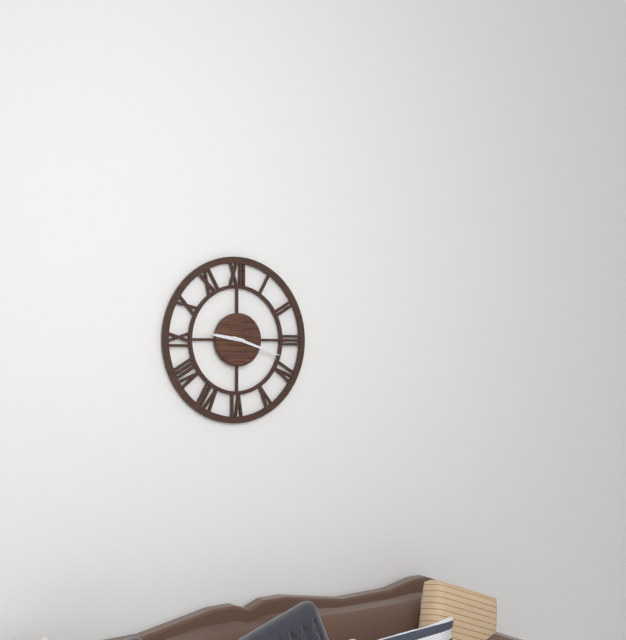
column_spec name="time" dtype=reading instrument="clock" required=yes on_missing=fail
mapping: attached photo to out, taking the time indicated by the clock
9:18
